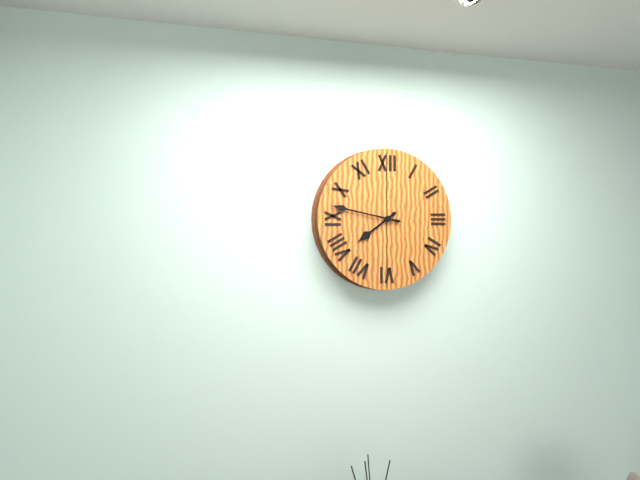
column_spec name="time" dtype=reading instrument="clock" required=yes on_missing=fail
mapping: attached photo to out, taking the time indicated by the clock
7:47
